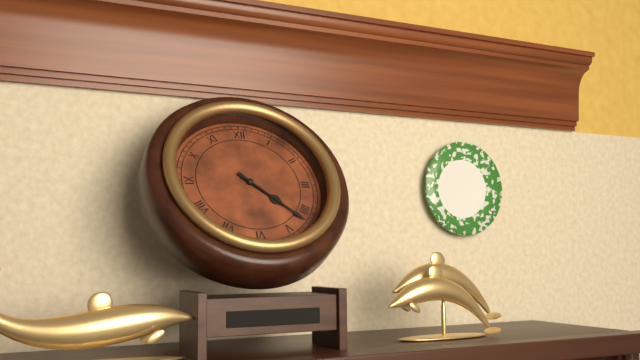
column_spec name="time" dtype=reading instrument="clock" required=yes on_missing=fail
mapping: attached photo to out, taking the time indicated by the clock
4:22
